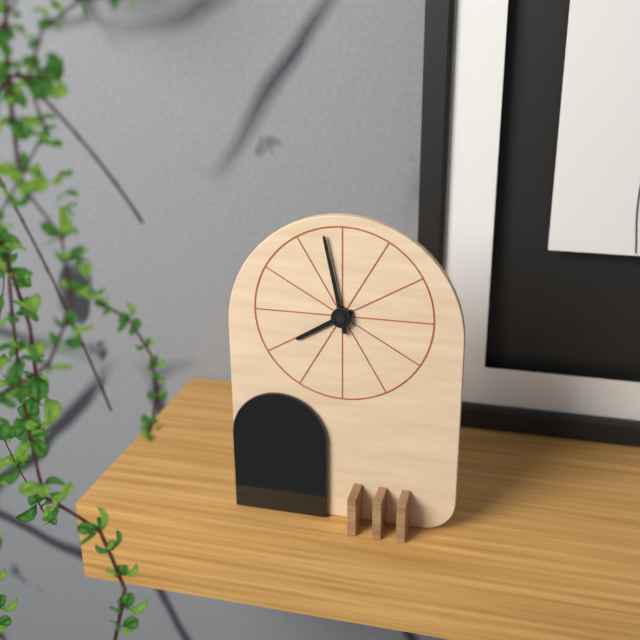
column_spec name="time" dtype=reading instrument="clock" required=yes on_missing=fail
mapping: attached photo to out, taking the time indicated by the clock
7:58
